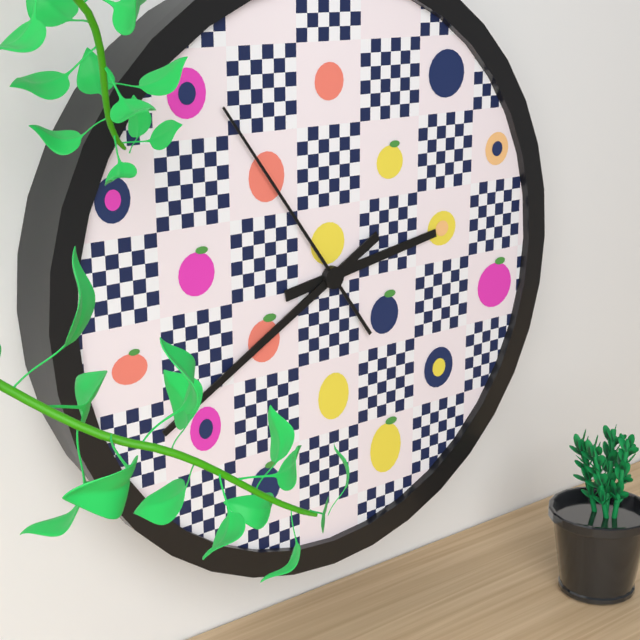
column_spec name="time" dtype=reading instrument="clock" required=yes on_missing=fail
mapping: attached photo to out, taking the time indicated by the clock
2:40:54
